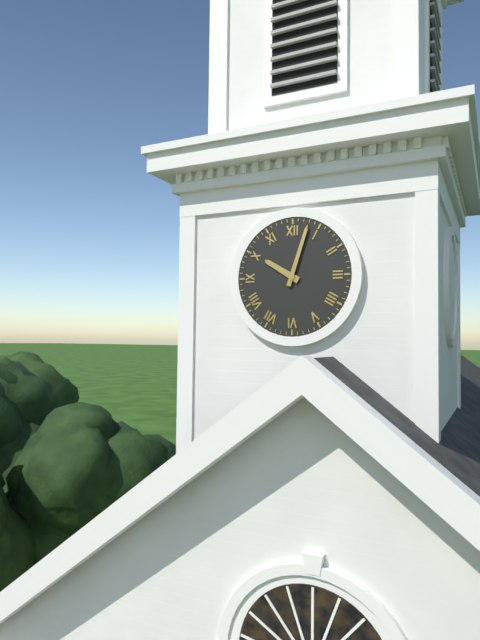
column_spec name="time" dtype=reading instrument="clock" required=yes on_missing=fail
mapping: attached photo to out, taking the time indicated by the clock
10:03
